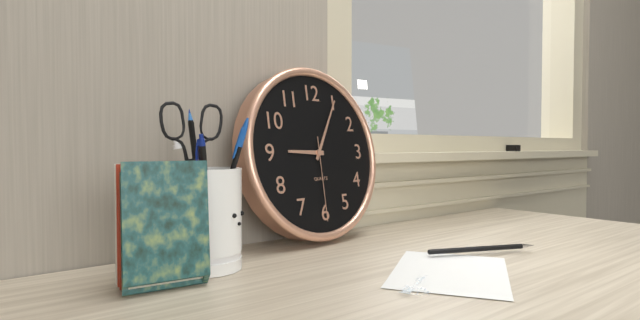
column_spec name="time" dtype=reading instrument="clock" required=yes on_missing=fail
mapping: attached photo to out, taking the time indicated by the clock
9:05:30
